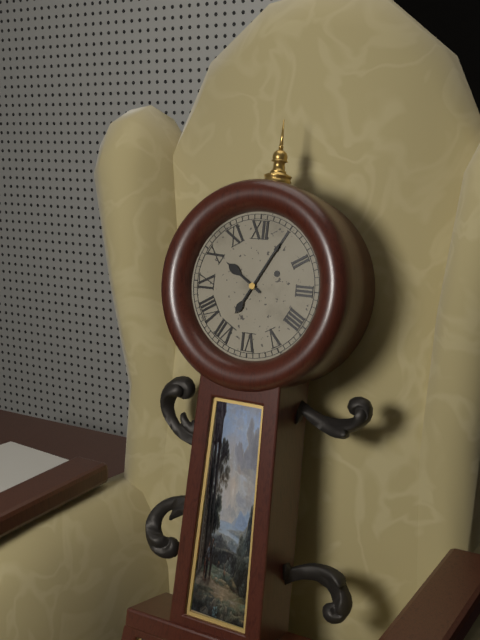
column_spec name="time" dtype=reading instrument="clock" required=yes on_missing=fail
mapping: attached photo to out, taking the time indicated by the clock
10:05
